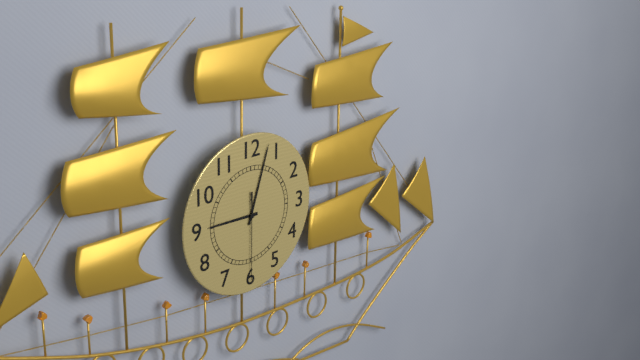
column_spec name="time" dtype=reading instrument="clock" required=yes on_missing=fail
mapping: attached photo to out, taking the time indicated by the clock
9:03:30
